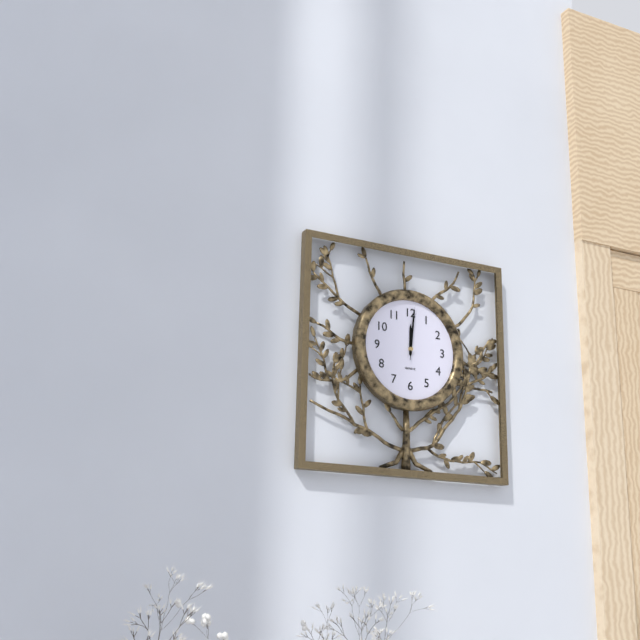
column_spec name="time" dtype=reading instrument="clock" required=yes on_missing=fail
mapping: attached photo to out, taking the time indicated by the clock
12:01:01
